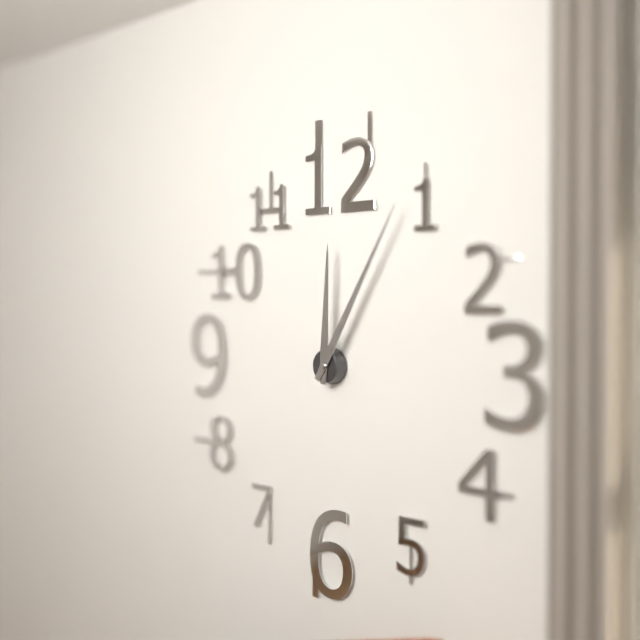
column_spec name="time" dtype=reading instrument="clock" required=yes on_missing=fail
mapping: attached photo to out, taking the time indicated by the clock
12:05
